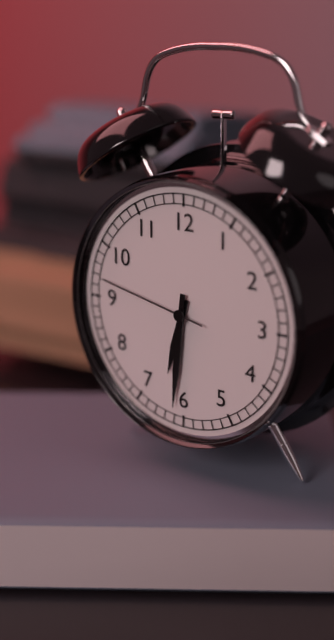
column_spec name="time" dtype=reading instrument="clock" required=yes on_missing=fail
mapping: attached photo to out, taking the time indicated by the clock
6:31:47
